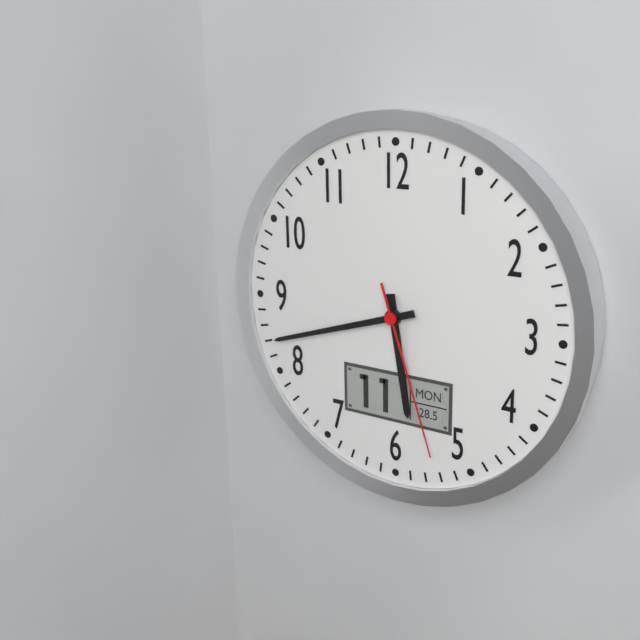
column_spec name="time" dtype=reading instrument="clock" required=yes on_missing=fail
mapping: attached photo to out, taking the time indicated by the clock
5:42:27
